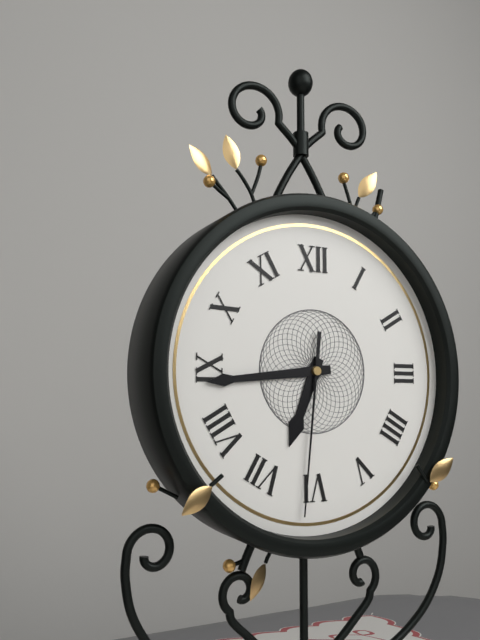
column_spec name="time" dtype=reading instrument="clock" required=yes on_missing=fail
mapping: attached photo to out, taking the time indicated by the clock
6:44:31
